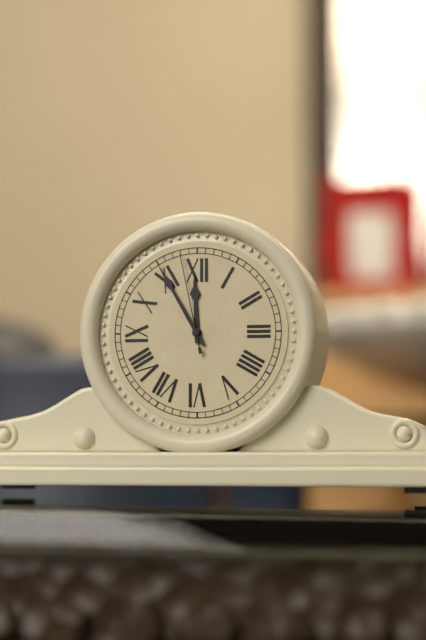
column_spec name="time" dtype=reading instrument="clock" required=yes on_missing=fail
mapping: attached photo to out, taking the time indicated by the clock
11:55:58
